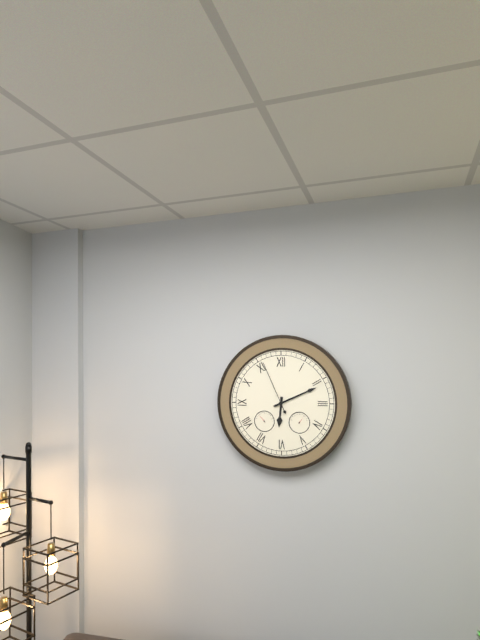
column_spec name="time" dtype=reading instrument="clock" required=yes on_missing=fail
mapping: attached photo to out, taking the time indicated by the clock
6:11:56
